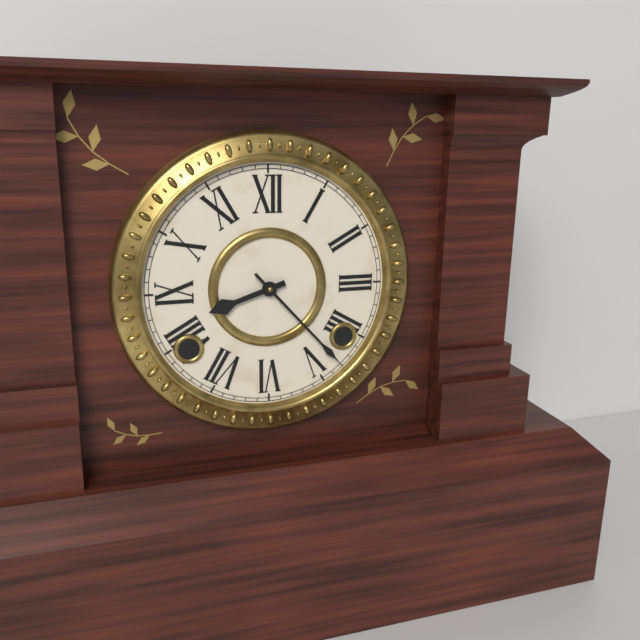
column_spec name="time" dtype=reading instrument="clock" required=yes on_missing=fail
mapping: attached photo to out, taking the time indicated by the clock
8:23
